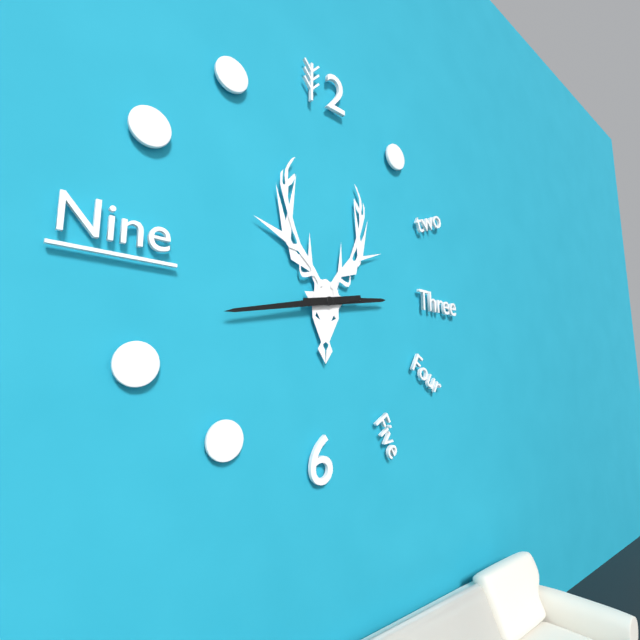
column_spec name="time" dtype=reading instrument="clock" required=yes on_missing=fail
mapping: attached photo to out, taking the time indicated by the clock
2:43
